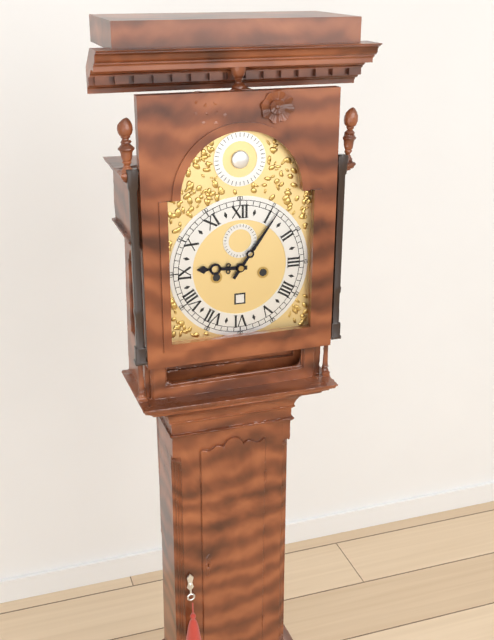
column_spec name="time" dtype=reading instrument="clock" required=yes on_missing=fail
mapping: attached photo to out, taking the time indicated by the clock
9:06
